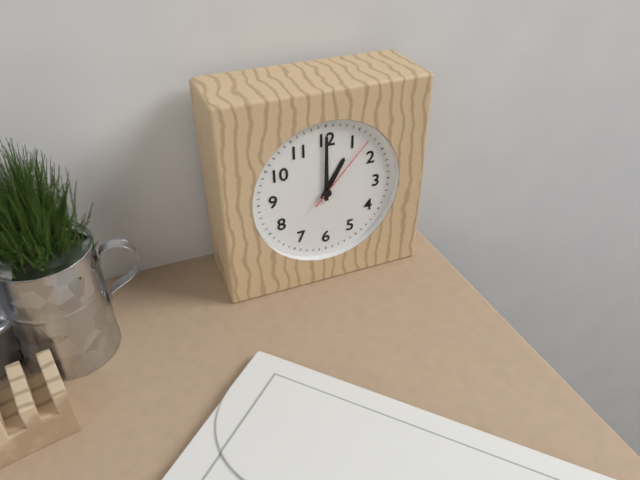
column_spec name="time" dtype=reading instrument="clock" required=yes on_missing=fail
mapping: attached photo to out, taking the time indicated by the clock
1:00:07
